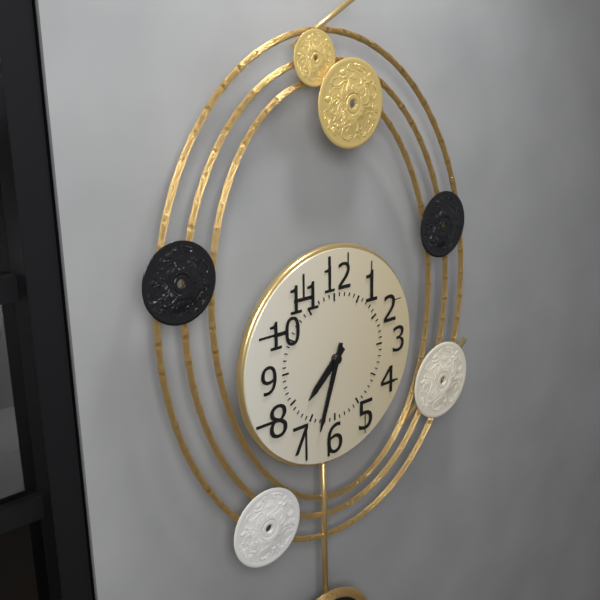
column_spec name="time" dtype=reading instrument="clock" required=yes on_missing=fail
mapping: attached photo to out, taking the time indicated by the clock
7:33
